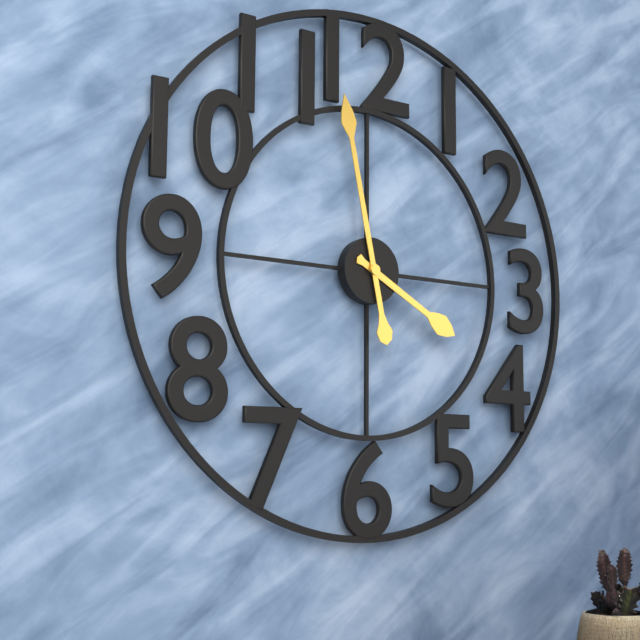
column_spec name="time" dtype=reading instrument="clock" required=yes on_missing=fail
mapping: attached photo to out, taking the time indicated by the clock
3:58
